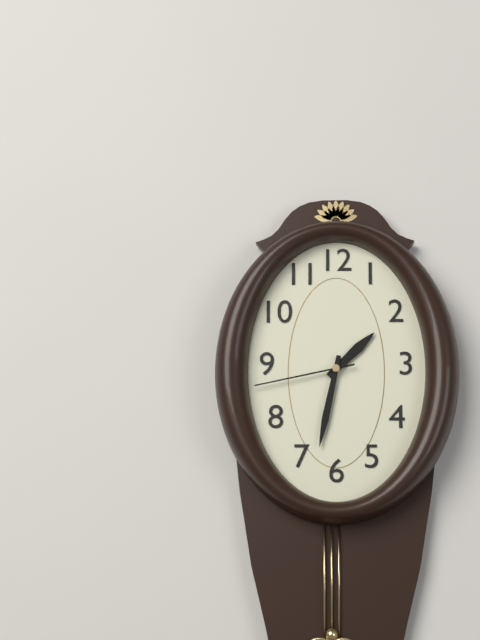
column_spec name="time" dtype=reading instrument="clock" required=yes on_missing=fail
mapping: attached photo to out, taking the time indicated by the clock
1:32:43
